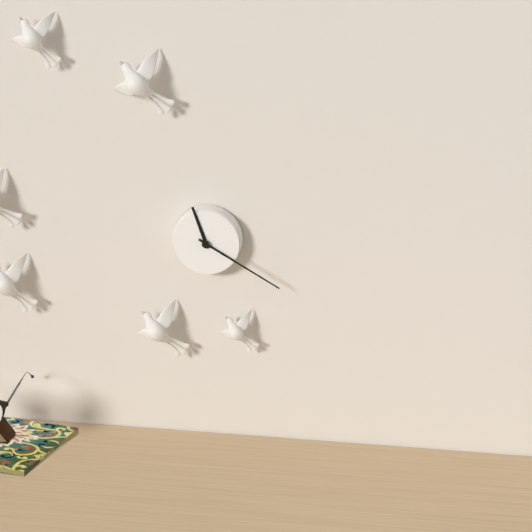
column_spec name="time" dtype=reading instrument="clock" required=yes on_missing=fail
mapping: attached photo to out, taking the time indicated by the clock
11:20
